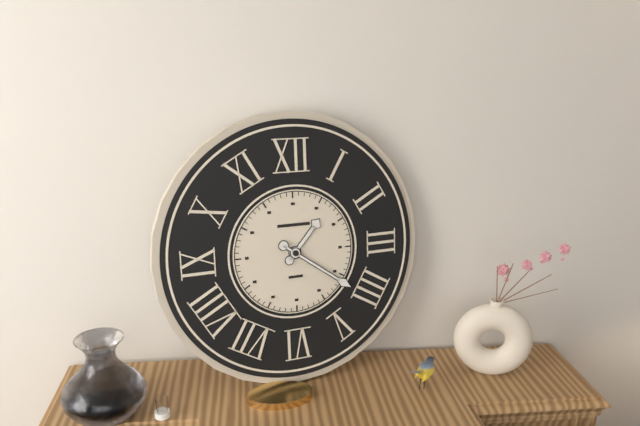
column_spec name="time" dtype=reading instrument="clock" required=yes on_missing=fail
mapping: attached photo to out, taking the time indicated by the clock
1:21
